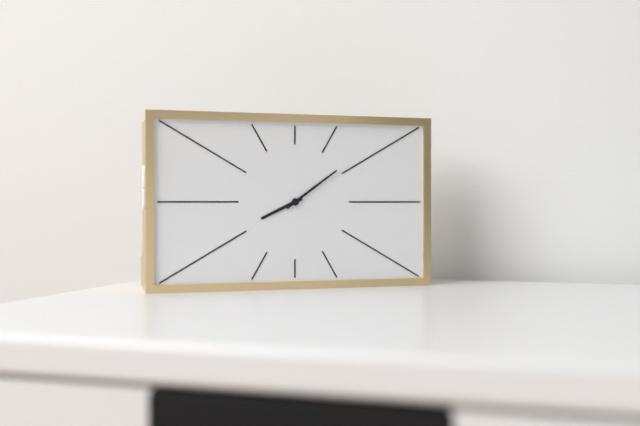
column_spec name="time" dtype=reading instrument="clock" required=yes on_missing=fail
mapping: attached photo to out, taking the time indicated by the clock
8:09
